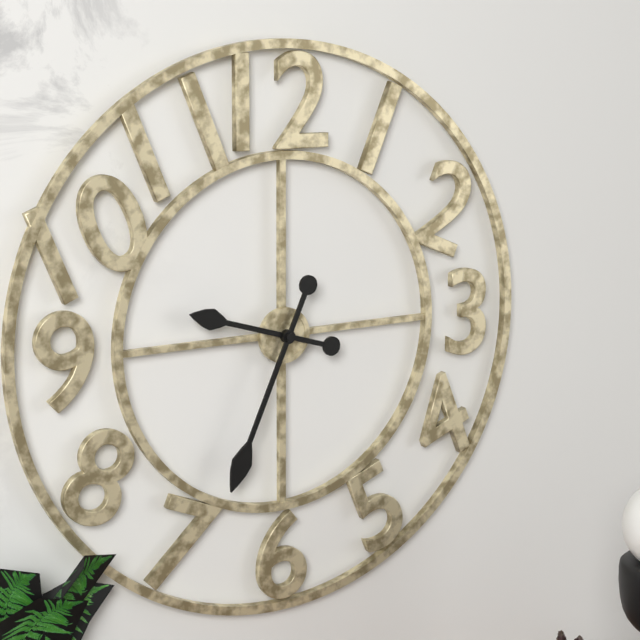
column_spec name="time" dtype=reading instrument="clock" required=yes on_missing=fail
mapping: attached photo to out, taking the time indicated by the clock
9:34
